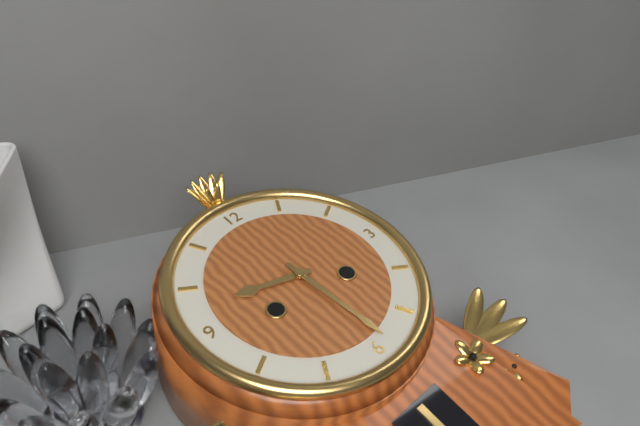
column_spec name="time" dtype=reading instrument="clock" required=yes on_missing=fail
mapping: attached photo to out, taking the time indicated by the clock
9:29
